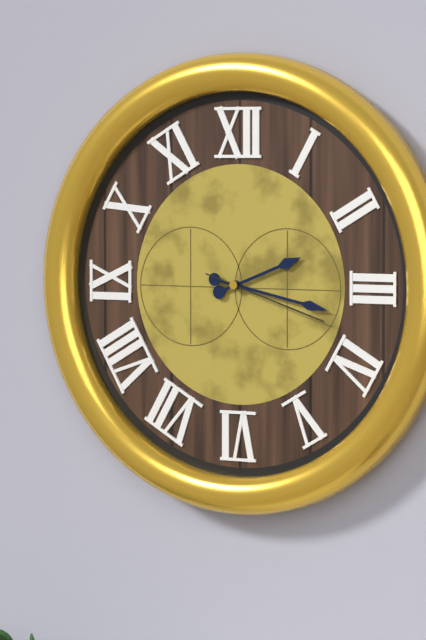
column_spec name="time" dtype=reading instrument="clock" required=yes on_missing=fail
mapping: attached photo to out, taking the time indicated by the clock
2:17:18
